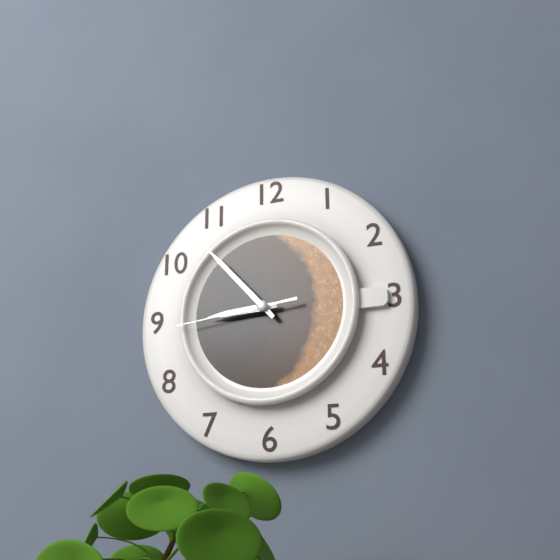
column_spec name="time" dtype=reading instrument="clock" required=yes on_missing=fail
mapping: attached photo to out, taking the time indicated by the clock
8:53:44
